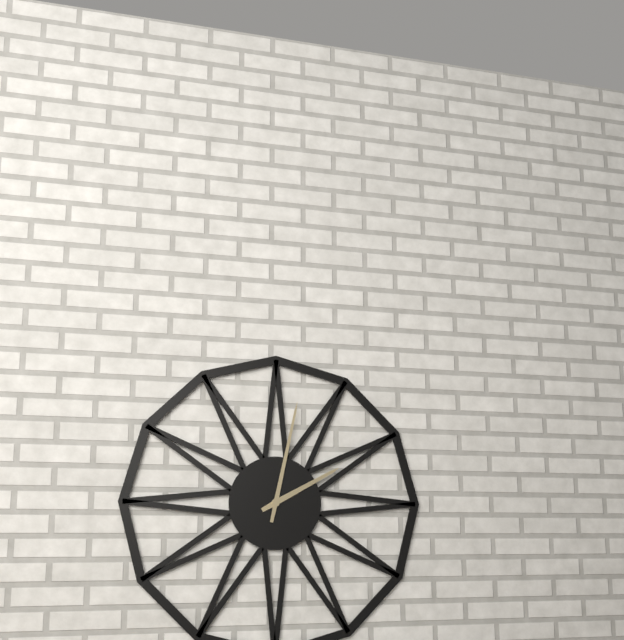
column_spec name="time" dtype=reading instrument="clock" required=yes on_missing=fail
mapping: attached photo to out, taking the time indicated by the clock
2:02
